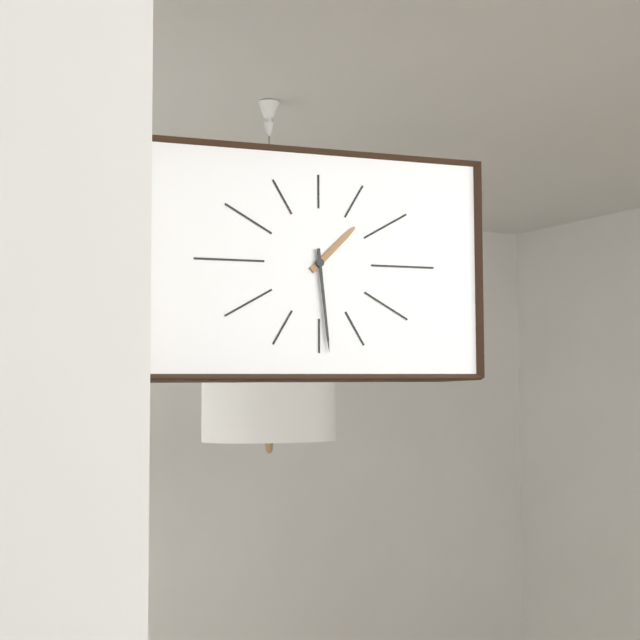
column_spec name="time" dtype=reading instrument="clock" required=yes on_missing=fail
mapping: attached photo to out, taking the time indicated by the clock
1:29
